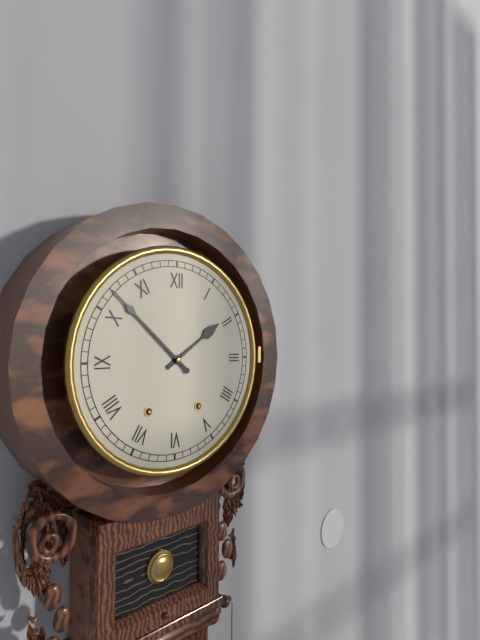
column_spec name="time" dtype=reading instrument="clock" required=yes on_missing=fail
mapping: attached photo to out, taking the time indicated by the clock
1:52
